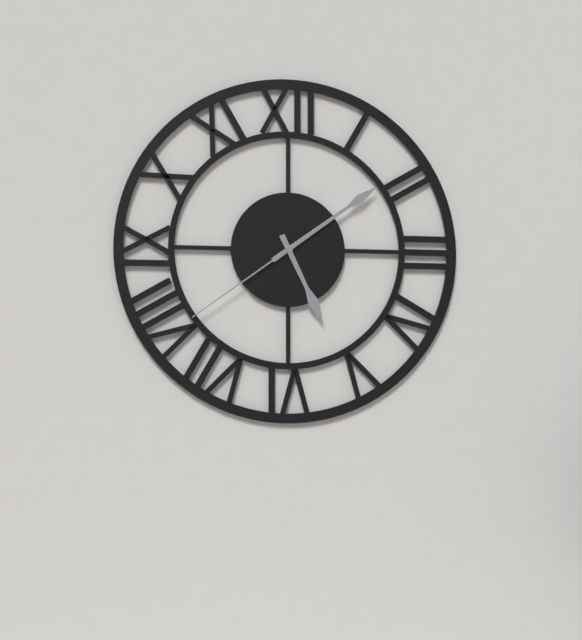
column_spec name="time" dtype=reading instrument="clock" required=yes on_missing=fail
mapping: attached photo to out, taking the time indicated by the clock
5:09:39
